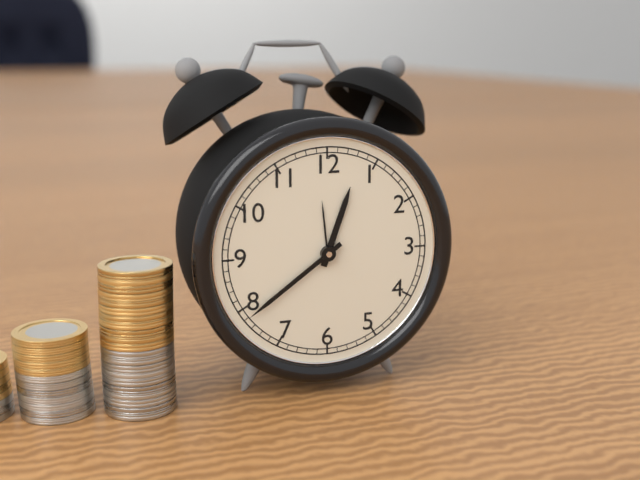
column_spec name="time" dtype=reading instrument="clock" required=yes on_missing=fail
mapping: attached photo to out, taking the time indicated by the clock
12:39
